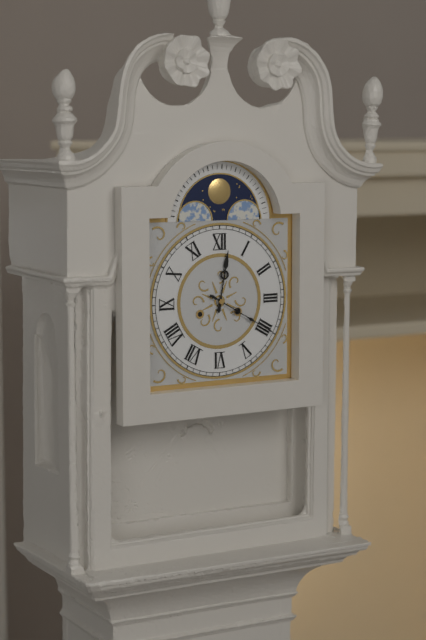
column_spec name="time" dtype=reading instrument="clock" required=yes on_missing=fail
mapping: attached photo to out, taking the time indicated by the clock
12:20
